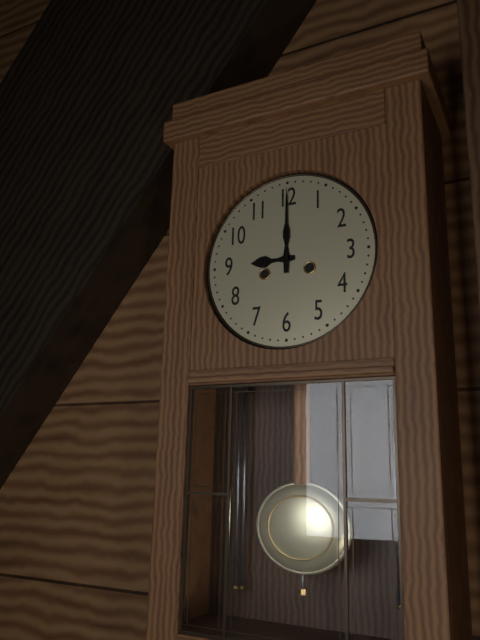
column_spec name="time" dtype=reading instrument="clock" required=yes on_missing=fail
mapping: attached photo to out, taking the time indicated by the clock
9:00
